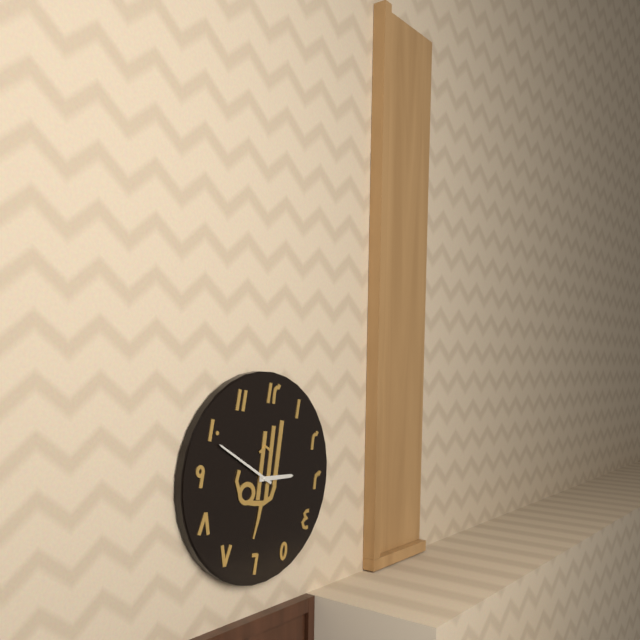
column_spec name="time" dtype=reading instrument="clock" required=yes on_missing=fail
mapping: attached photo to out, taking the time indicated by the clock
2:49
